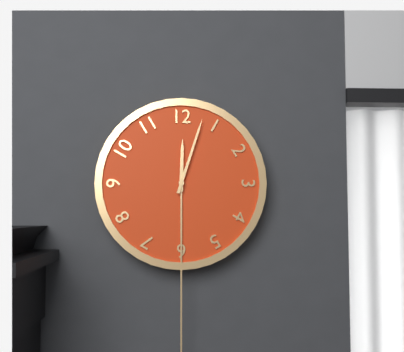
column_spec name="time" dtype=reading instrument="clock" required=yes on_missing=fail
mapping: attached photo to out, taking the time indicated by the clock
12:03
